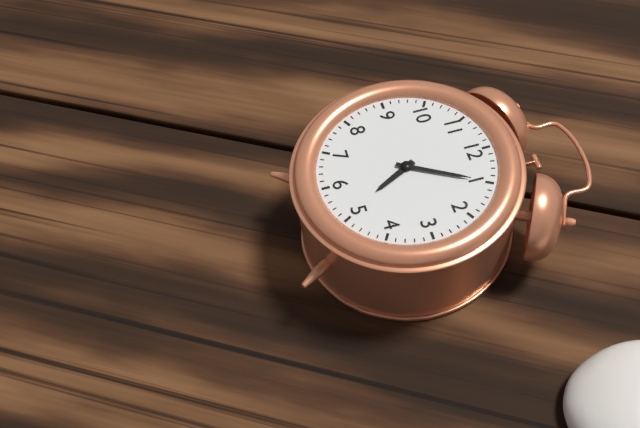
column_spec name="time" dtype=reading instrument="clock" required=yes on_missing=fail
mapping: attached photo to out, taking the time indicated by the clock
5:05
